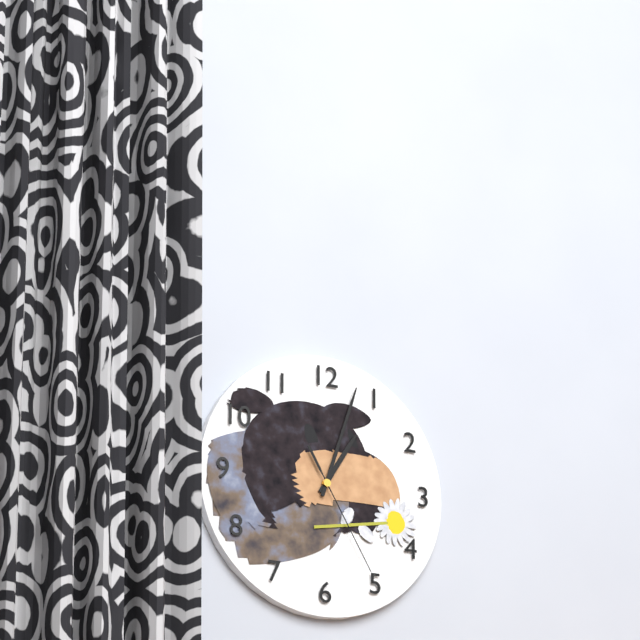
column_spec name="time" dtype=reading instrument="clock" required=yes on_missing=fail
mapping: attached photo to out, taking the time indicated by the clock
1:03:25
